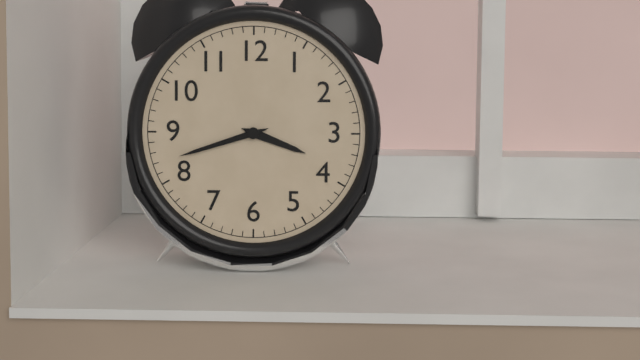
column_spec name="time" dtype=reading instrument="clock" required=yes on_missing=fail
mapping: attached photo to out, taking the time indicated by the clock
3:42
